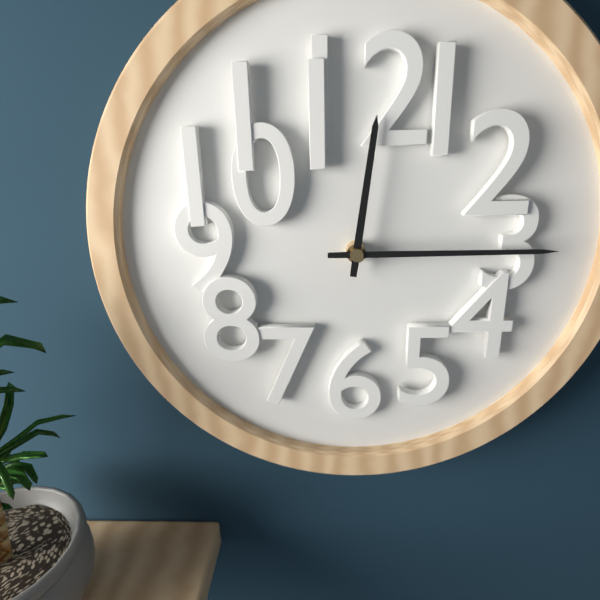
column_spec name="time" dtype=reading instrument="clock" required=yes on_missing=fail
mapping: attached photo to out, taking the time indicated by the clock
12:15
